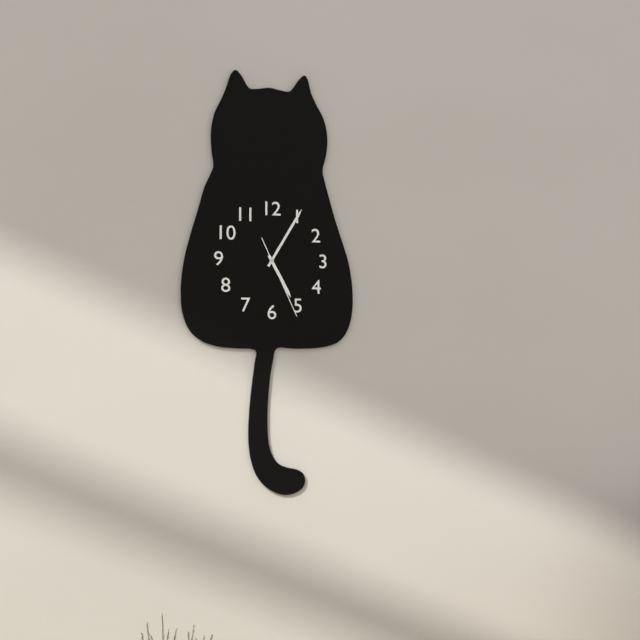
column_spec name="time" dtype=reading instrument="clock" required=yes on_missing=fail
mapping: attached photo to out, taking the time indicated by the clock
5:05:26
